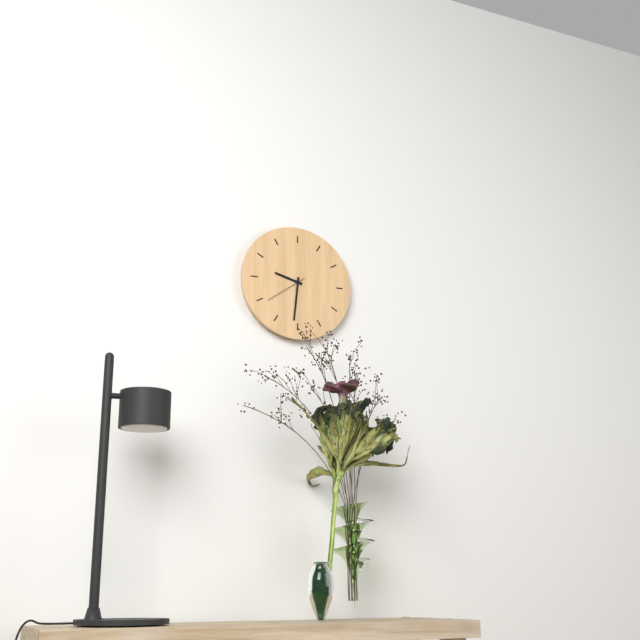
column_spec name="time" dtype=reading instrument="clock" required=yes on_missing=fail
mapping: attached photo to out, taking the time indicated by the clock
9:31
